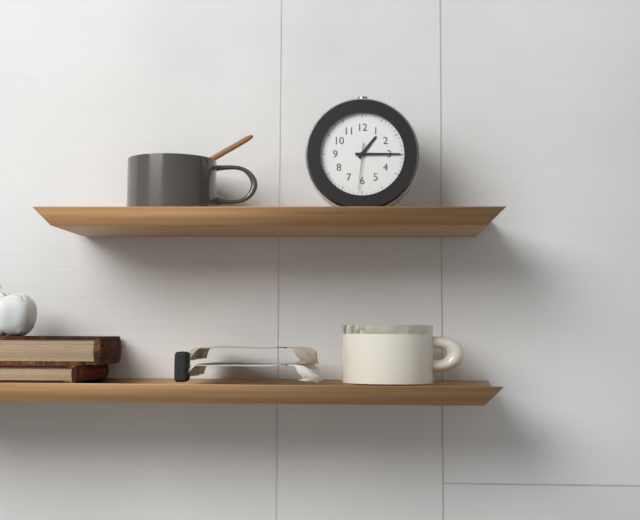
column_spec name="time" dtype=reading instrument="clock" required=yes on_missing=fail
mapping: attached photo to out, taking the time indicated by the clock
1:15
